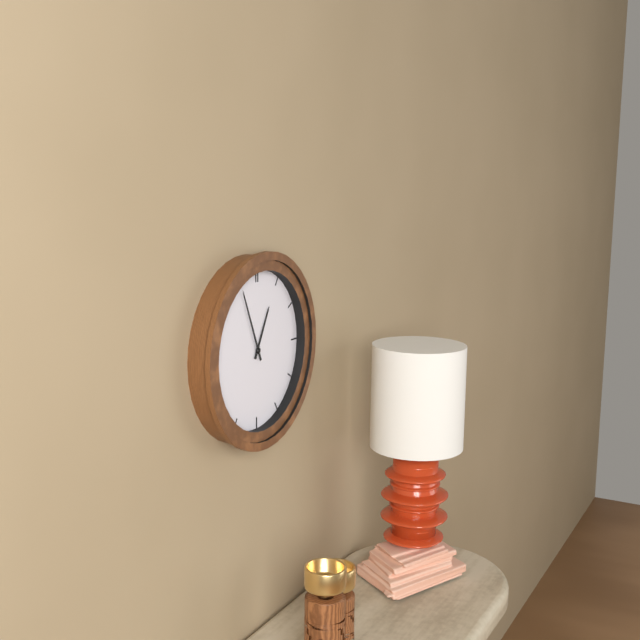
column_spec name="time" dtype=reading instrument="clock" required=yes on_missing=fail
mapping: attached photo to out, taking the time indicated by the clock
12:56
